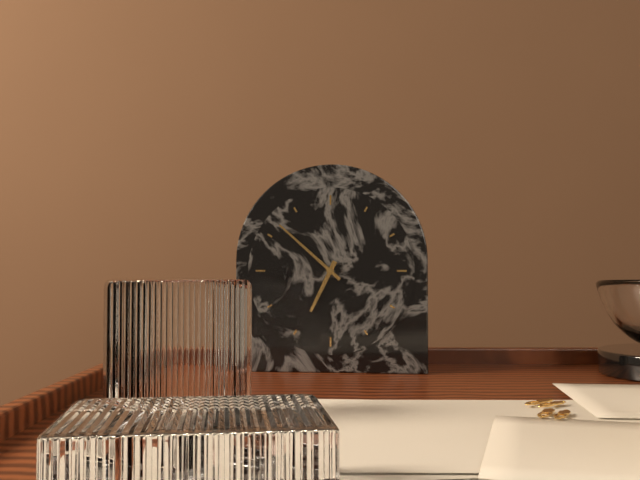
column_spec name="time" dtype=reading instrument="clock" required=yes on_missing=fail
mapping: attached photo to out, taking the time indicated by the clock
6:52
